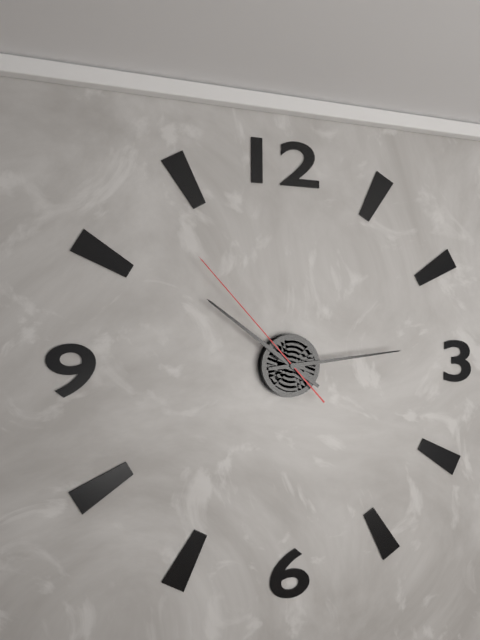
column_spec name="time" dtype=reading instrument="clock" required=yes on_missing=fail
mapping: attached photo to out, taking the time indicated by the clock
10:14:53
